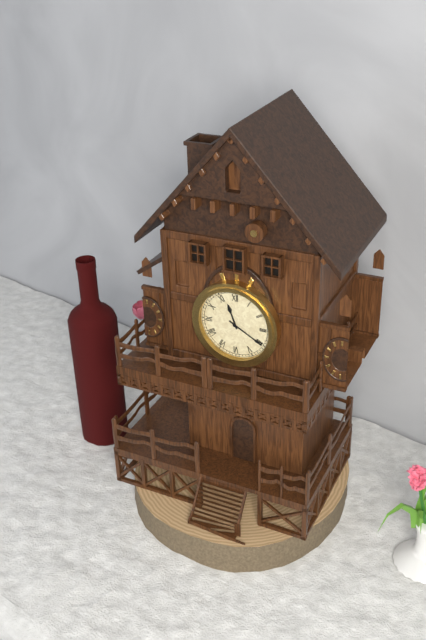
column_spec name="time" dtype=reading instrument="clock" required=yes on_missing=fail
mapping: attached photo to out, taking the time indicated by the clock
11:20
